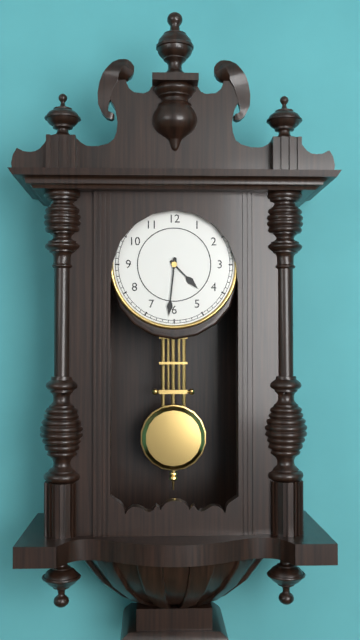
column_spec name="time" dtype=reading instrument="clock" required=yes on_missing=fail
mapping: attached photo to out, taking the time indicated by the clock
4:31
